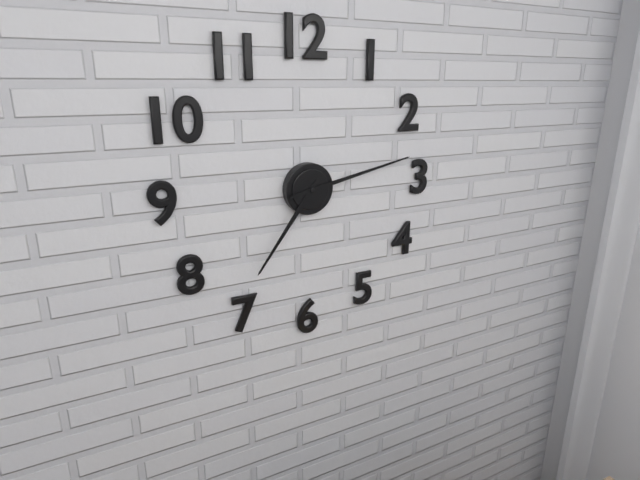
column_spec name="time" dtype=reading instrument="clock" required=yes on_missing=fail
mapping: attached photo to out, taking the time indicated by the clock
7:13
